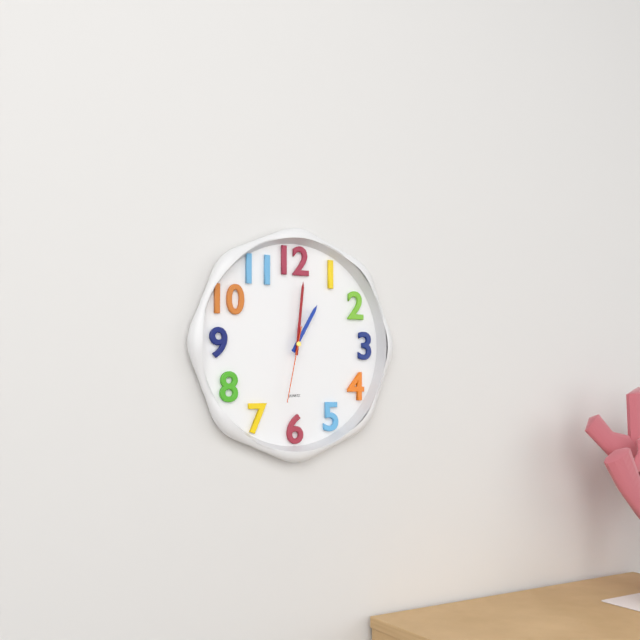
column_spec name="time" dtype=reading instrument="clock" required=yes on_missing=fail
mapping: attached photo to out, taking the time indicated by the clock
1:01:32
